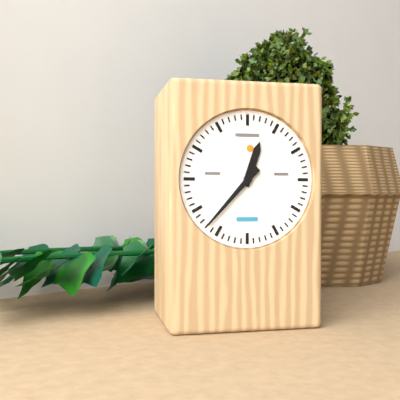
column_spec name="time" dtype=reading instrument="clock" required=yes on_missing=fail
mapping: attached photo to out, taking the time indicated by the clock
12:37
